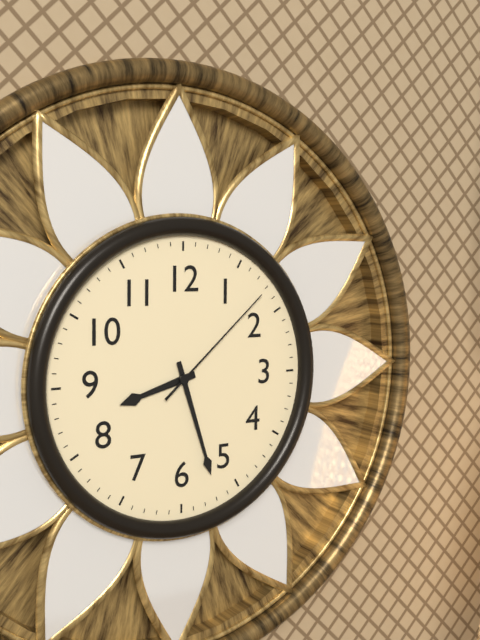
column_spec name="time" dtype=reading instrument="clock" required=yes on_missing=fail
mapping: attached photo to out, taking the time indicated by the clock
8:27:08
